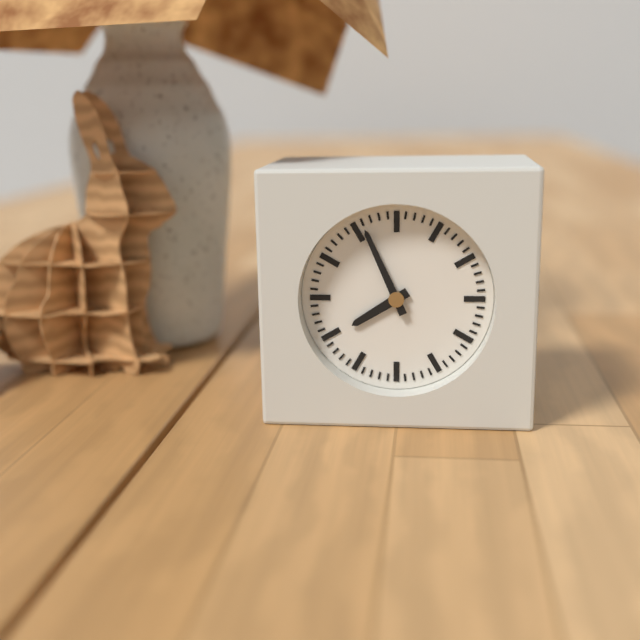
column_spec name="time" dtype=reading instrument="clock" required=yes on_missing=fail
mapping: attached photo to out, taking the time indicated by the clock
7:56
